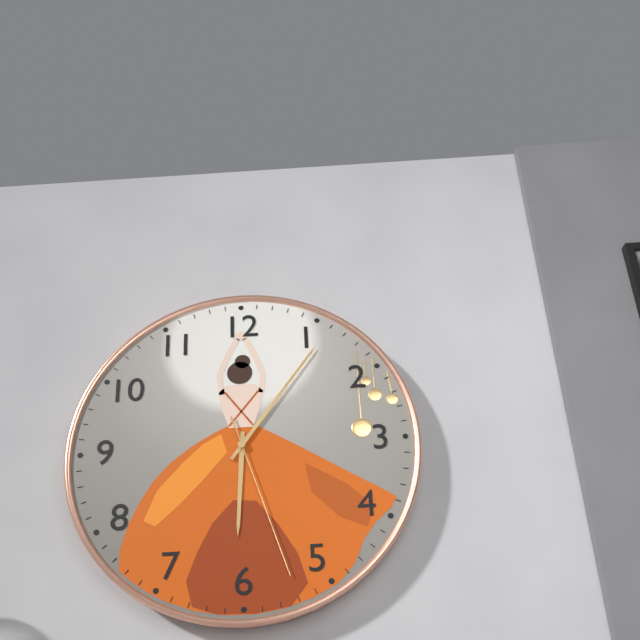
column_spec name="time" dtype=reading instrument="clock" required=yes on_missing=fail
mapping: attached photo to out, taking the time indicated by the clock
6:06:27
